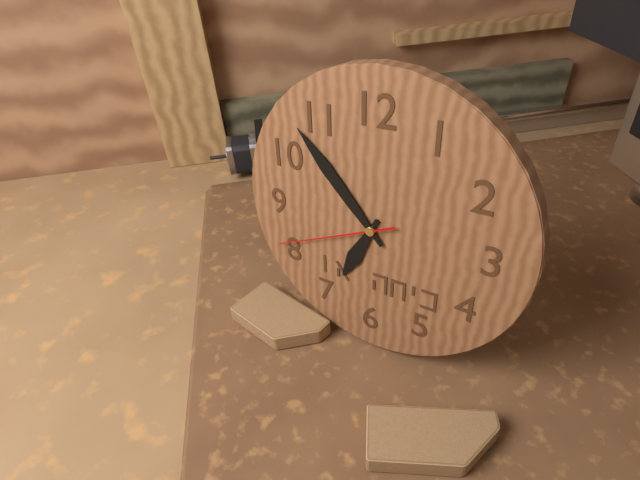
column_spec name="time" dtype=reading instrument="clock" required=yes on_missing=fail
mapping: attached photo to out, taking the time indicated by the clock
6:53:41
